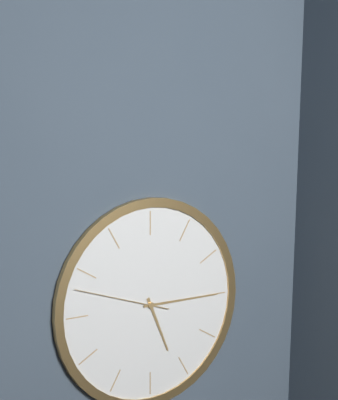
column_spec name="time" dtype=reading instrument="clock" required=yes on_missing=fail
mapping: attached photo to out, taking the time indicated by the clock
5:15:48
